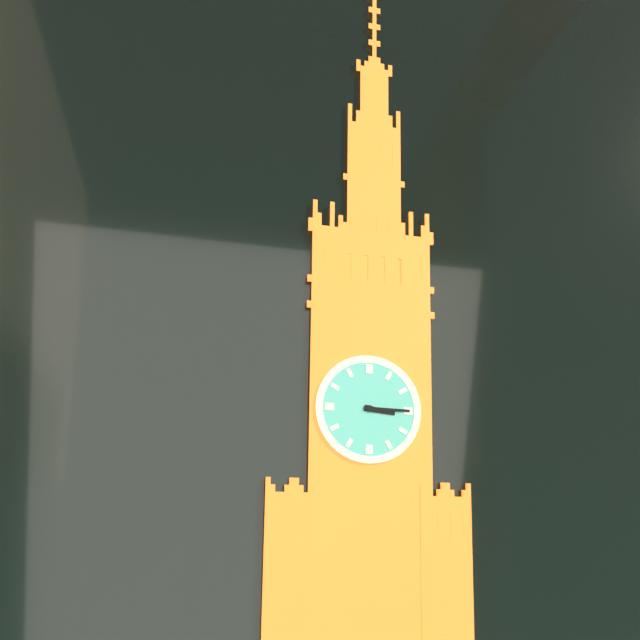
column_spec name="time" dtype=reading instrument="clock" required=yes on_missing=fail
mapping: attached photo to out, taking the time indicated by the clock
3:15
